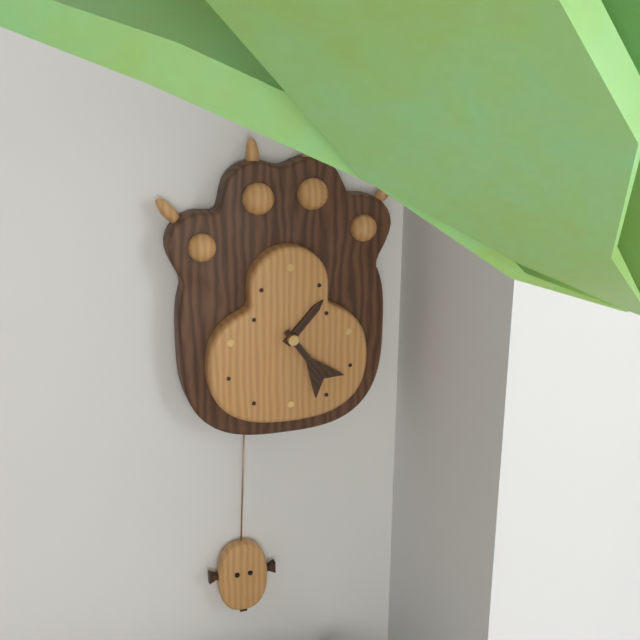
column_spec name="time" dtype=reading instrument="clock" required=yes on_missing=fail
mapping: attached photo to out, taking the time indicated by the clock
1:24
